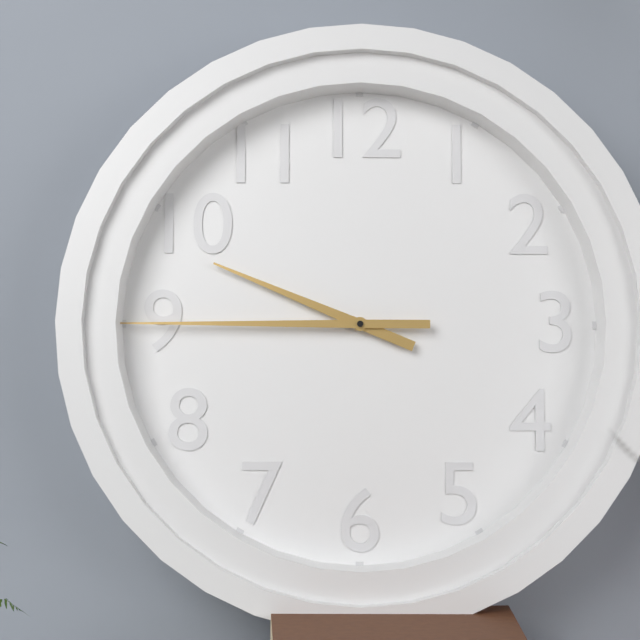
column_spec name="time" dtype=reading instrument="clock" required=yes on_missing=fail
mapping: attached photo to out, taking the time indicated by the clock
9:45
